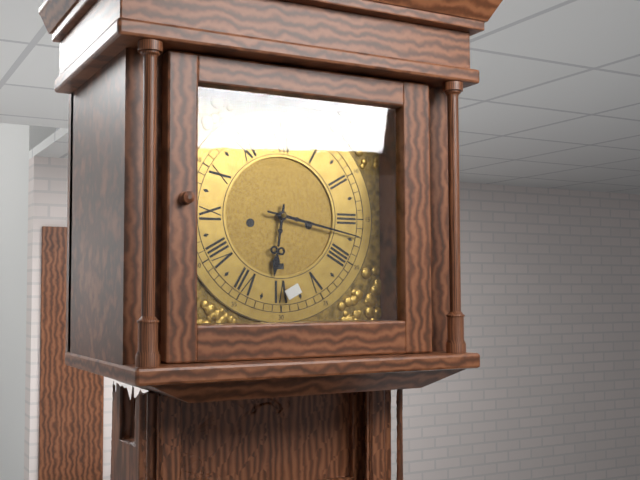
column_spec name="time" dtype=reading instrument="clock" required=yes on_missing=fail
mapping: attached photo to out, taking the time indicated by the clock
6:17
